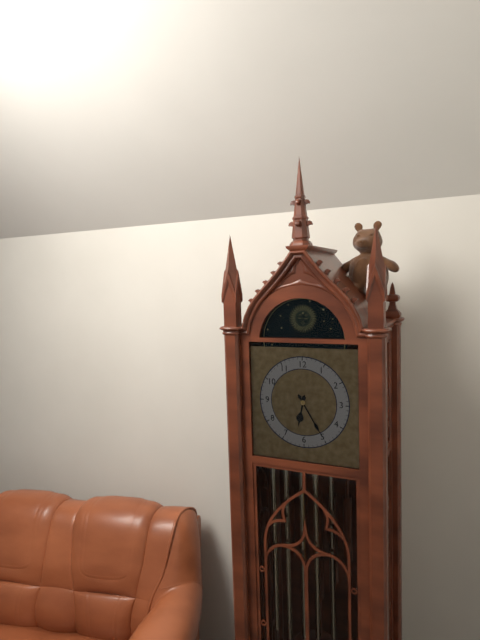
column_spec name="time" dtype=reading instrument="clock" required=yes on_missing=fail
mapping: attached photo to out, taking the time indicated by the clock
6:25
